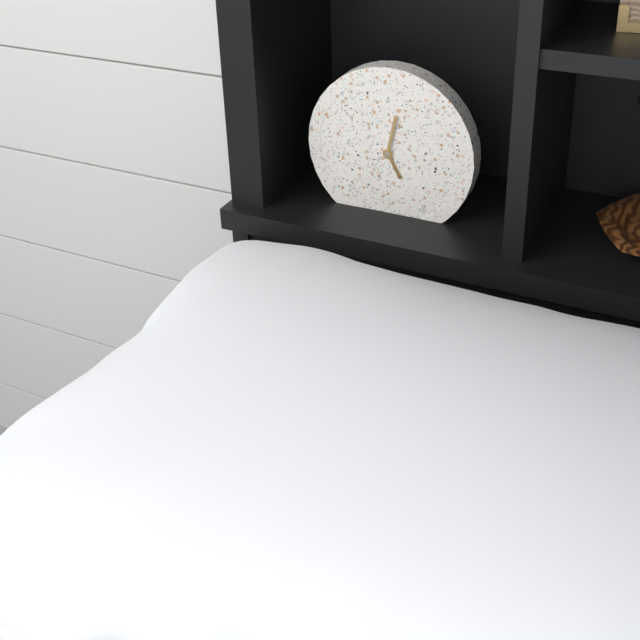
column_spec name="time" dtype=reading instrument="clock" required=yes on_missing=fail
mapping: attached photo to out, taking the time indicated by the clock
5:02
